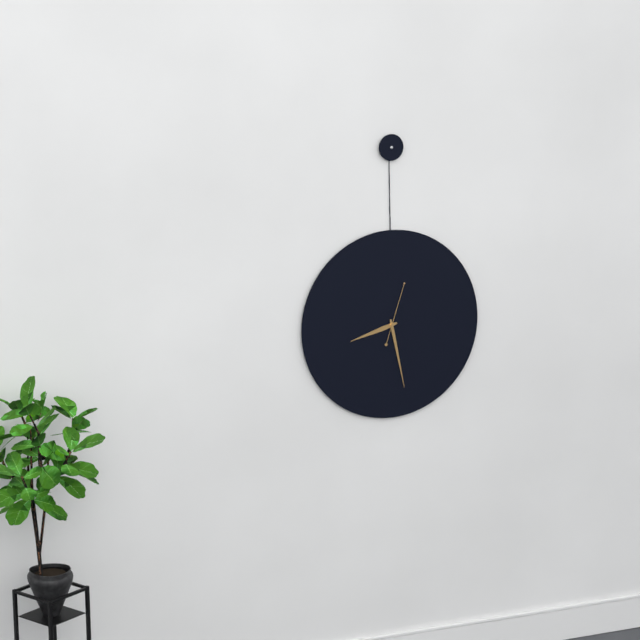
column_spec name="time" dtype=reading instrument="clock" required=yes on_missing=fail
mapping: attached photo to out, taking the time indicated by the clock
8:28:03
